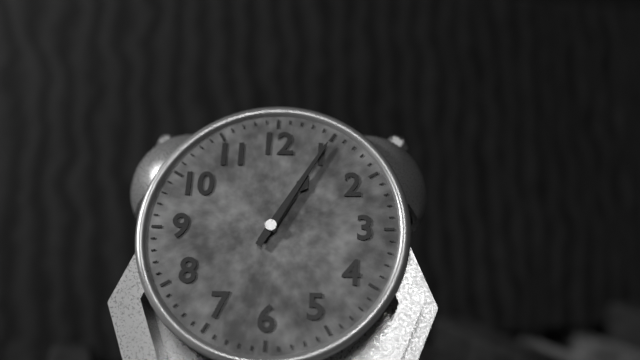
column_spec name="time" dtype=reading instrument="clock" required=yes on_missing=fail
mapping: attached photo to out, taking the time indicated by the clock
1:05
